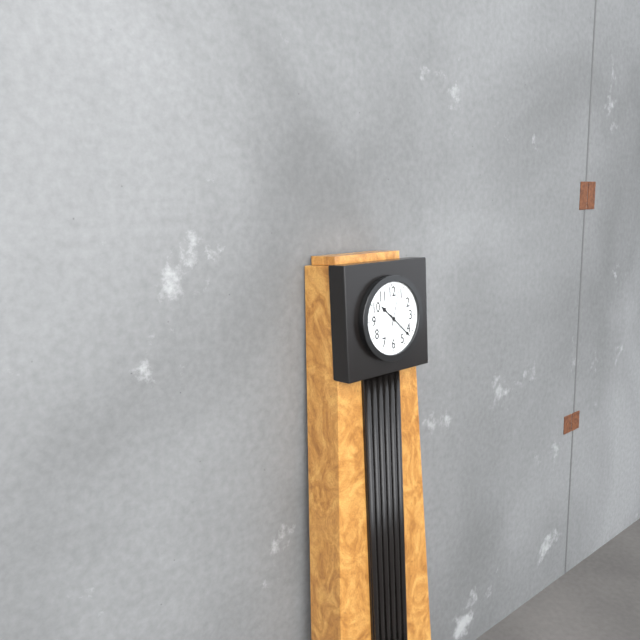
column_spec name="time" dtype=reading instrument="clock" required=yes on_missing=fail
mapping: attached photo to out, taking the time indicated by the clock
10:22
